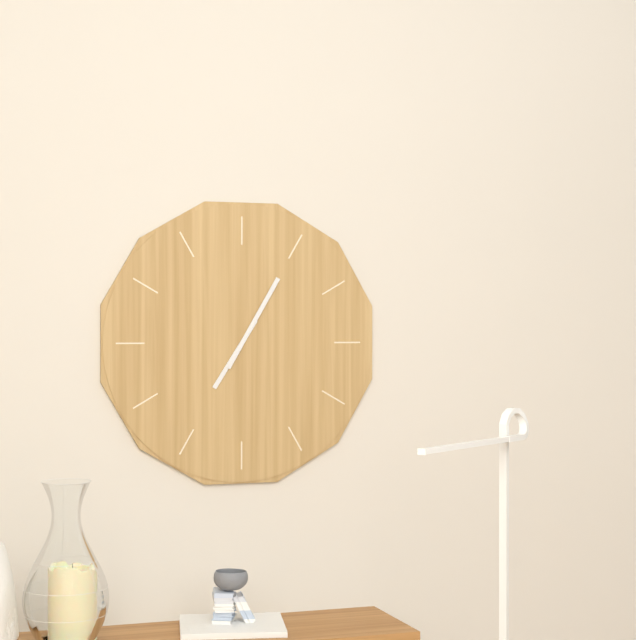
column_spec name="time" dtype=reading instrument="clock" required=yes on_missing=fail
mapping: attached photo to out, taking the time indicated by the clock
7:05
